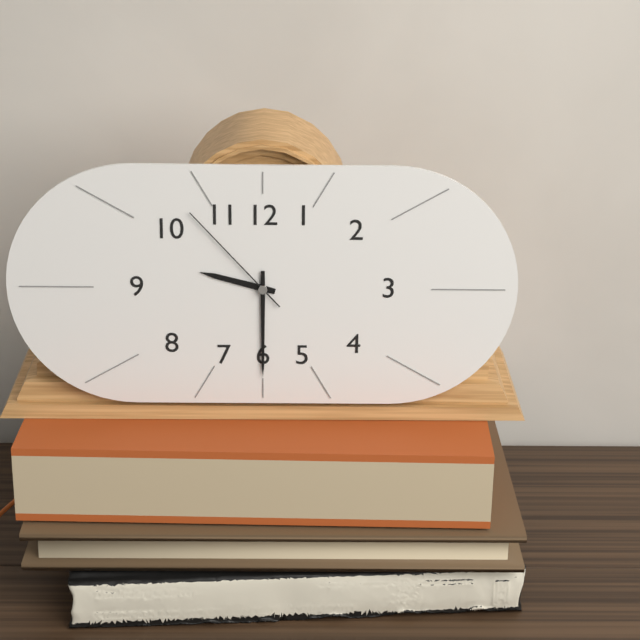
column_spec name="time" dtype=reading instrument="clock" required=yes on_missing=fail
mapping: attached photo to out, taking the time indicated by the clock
9:30:53
